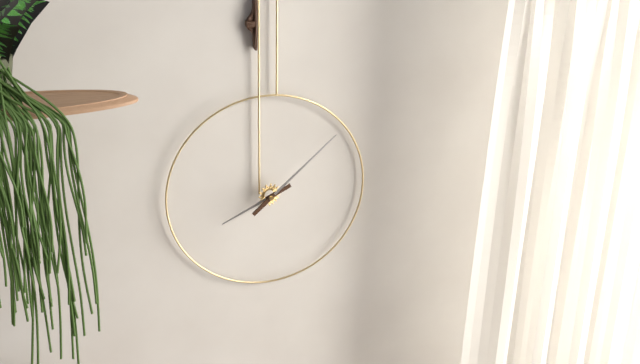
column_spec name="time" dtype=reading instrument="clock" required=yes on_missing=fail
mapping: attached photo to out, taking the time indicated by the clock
8:08
